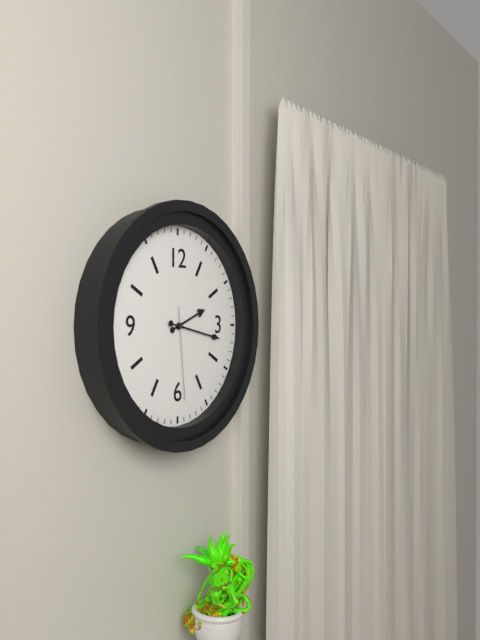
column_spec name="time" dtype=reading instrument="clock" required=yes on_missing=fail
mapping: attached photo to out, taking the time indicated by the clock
2:17:29
